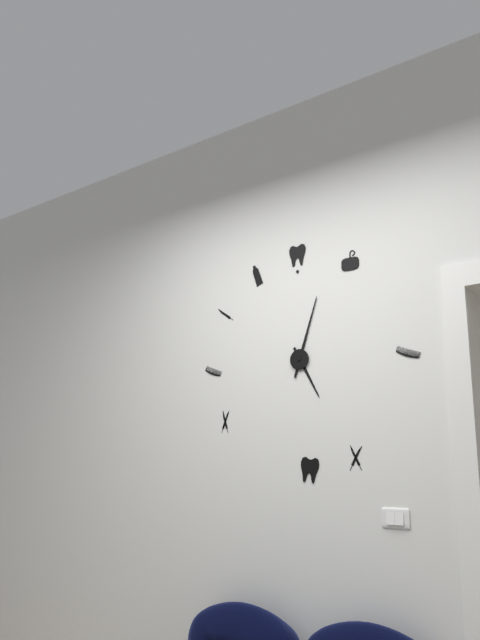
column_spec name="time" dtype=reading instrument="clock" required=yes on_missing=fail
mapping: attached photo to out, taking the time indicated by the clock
5:03
